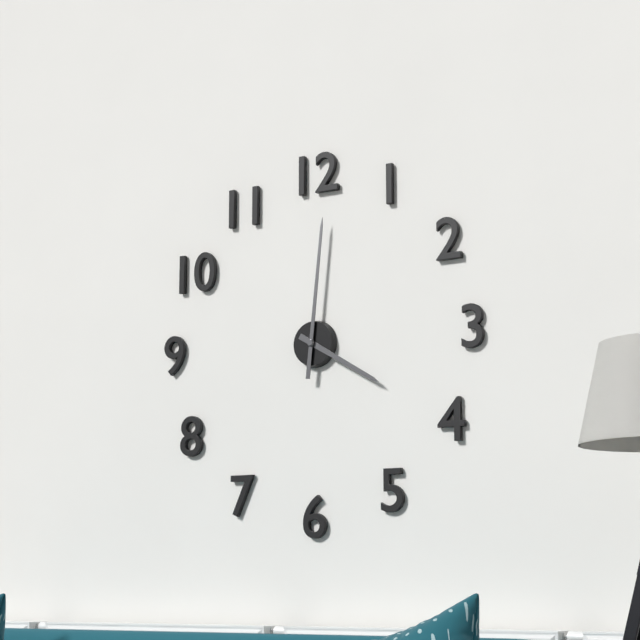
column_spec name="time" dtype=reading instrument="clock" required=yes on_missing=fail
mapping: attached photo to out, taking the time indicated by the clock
4:01
